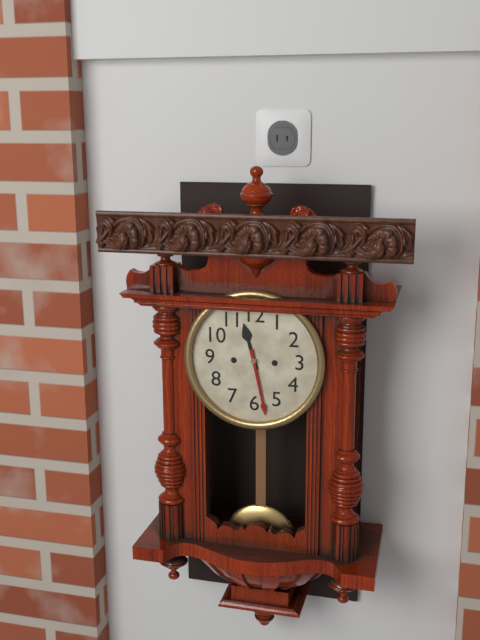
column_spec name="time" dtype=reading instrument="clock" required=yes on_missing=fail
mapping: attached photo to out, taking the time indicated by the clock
11:28
